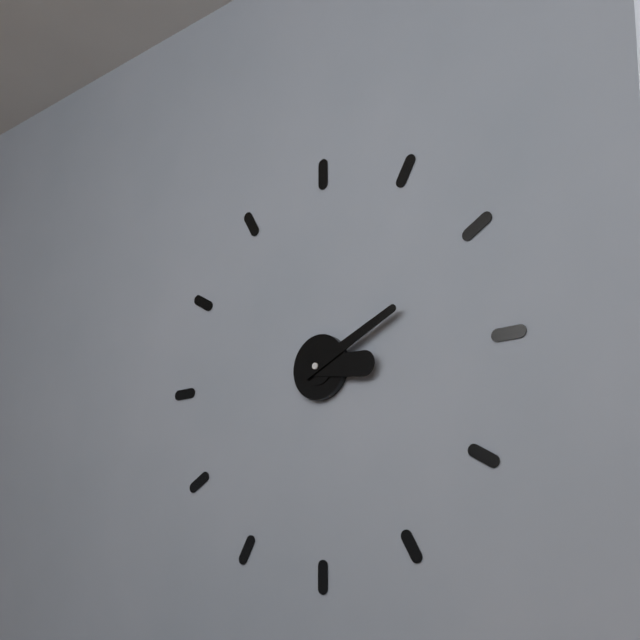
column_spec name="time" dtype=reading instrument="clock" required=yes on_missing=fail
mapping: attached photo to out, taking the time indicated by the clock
3:11
